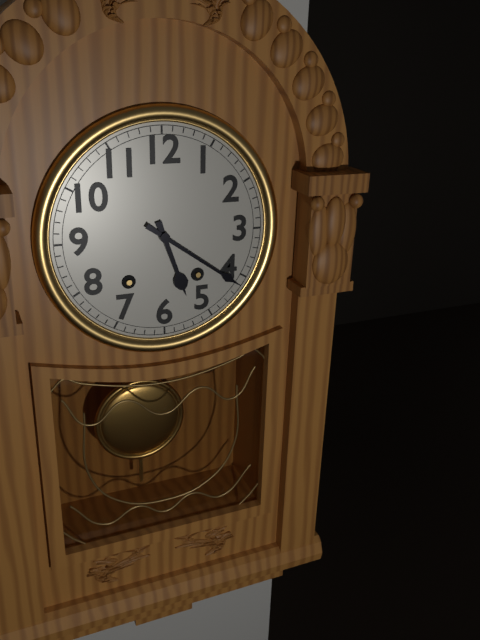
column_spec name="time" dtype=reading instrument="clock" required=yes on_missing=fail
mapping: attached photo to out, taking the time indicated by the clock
5:21
